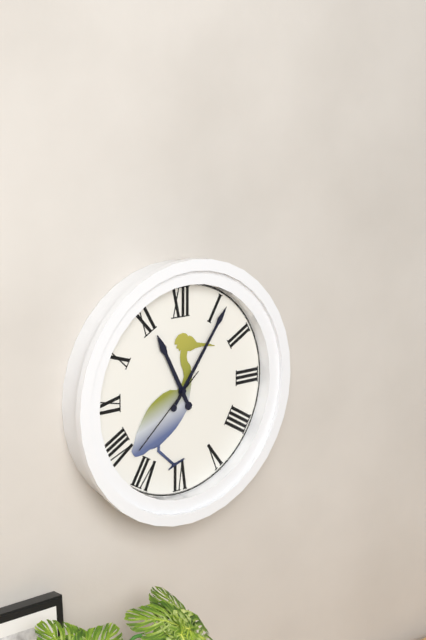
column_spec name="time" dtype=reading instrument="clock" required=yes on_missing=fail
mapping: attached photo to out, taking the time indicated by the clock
11:06:38
